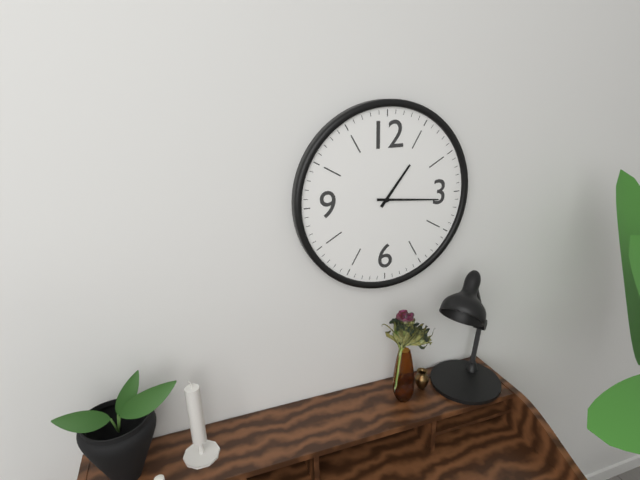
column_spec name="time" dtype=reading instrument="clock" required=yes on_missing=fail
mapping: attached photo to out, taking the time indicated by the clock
1:16
